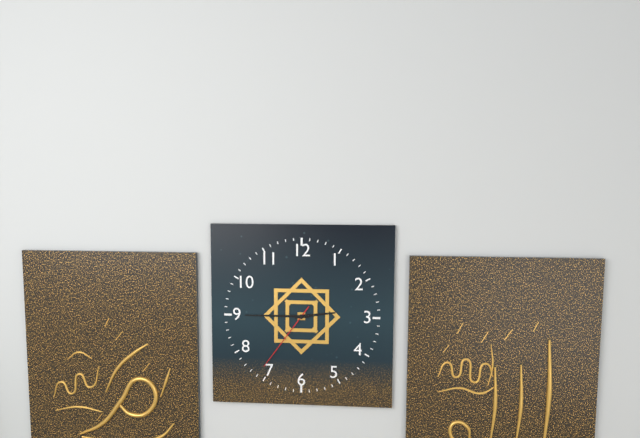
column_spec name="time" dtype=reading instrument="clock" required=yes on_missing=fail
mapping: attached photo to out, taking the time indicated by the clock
2:45:36
